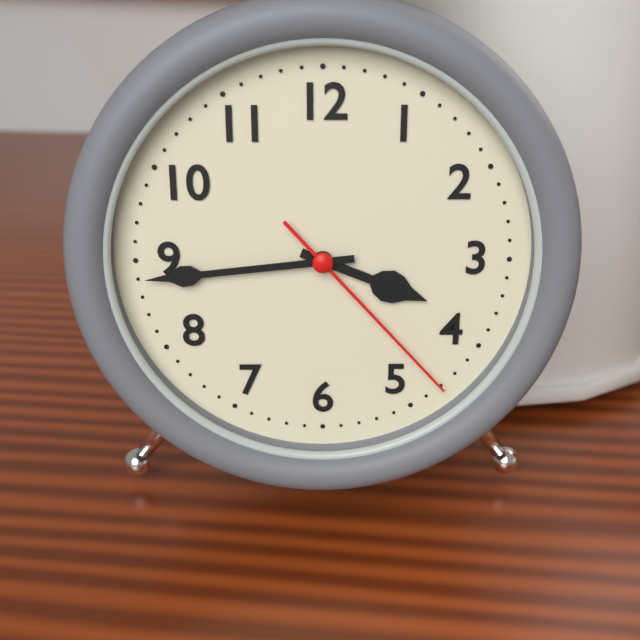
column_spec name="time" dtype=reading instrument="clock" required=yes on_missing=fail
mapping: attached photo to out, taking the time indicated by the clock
3:44:23
